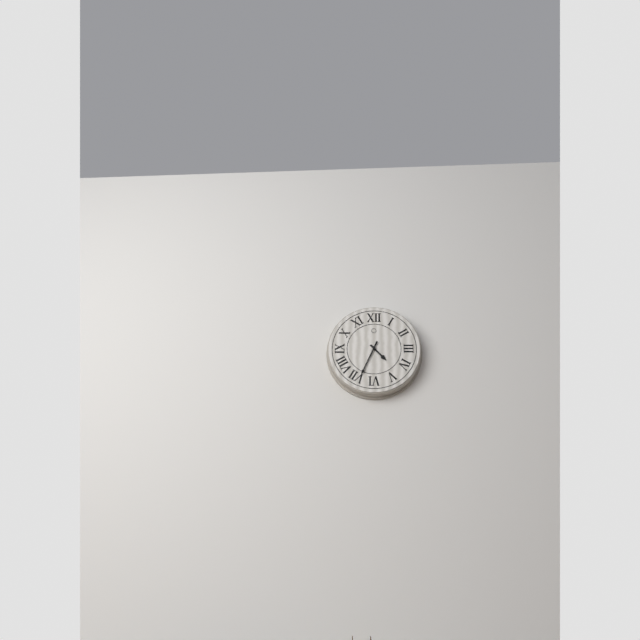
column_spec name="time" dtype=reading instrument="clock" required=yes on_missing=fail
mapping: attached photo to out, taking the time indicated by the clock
4:34
